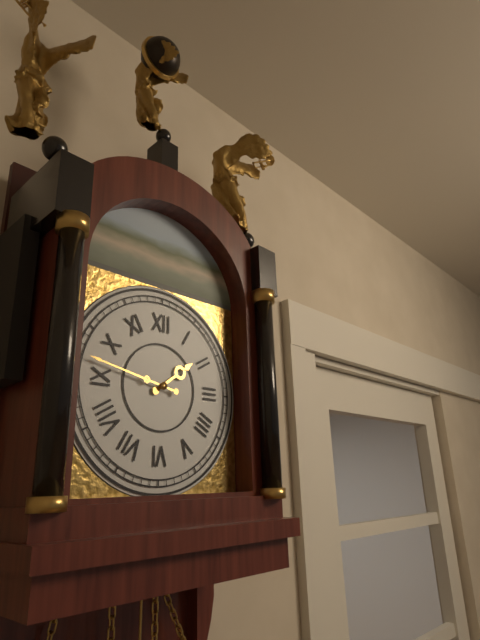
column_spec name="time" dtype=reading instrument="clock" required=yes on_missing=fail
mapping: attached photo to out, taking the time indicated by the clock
1:47
